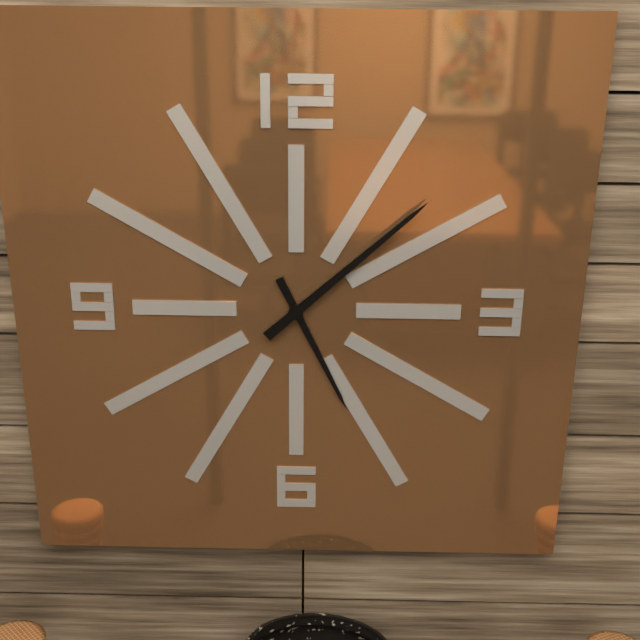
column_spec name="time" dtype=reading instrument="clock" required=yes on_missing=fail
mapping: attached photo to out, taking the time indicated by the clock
5:08
